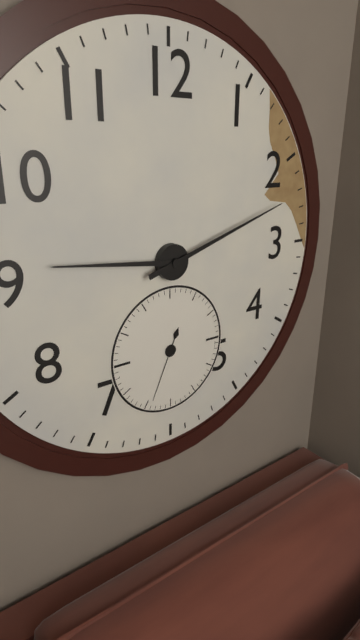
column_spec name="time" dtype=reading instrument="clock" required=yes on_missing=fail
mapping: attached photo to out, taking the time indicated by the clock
9:12:34
